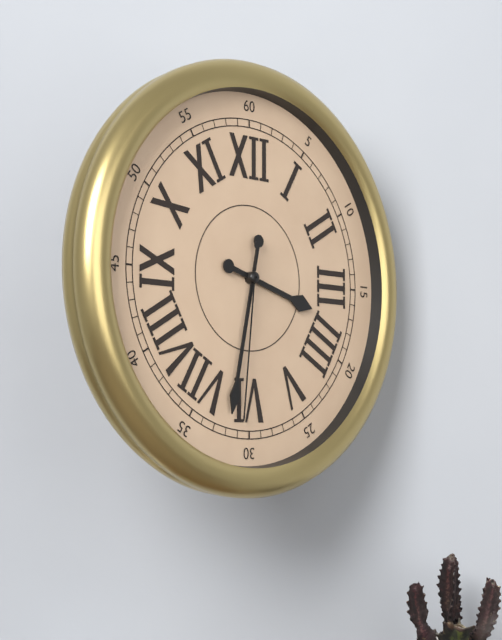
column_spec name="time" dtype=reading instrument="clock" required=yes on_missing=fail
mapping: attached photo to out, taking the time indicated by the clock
3:32:31
